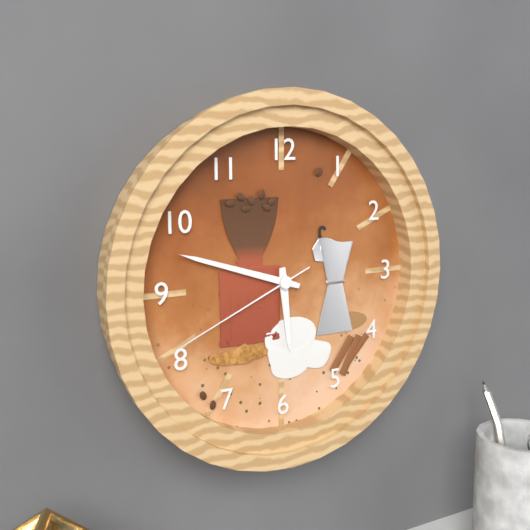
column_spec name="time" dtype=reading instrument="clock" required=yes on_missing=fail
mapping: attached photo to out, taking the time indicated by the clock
5:48:41
